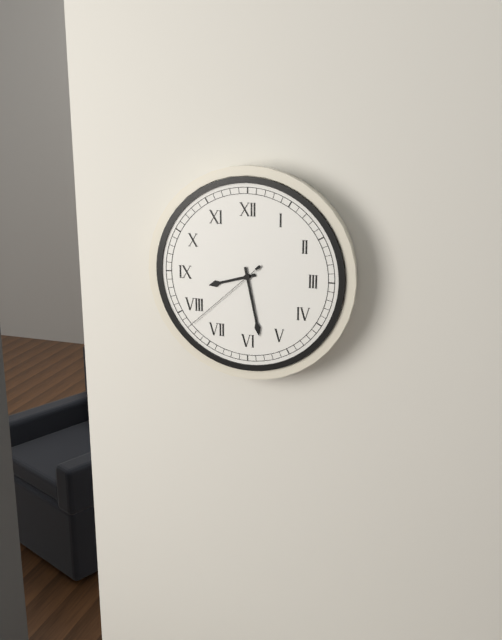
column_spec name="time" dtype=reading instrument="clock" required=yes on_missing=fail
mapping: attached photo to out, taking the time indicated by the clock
8:28:38
